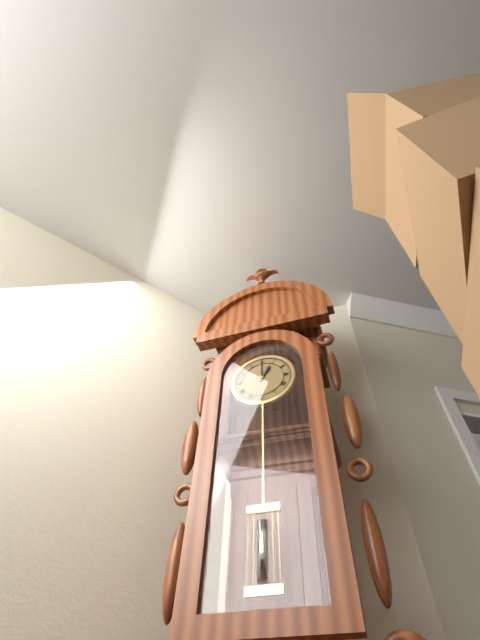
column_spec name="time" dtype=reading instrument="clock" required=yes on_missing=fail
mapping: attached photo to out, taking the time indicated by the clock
1:00
